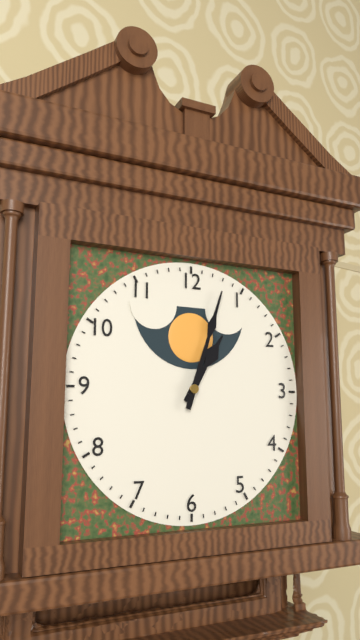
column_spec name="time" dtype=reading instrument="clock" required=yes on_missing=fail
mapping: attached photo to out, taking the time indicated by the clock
1:03
